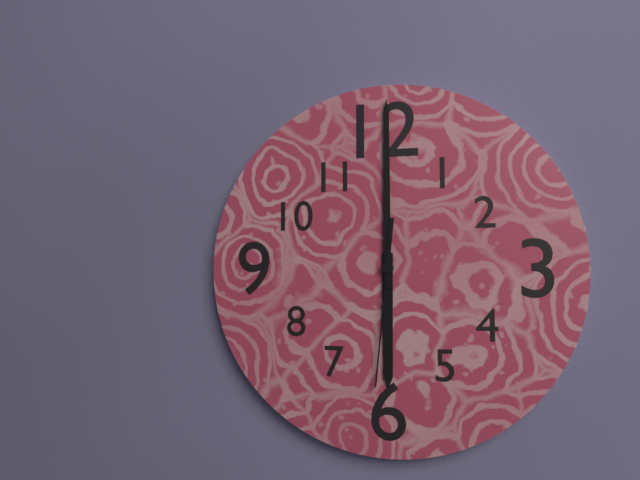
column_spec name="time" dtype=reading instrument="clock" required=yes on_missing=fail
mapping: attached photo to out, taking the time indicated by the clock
6:00:31
